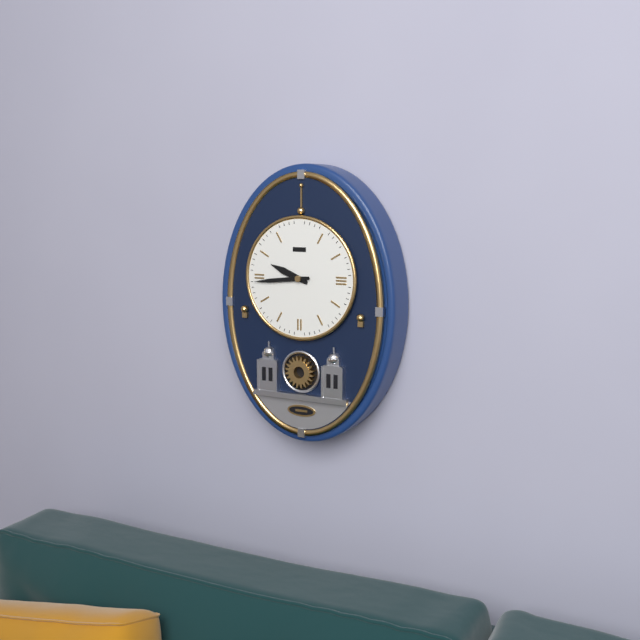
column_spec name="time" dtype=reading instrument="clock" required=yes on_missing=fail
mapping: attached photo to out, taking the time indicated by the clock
9:44
